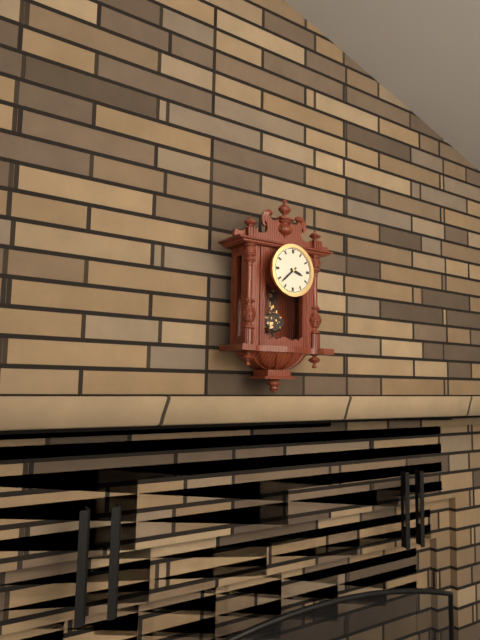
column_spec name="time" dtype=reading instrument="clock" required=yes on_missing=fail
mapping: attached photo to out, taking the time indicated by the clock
3:38
